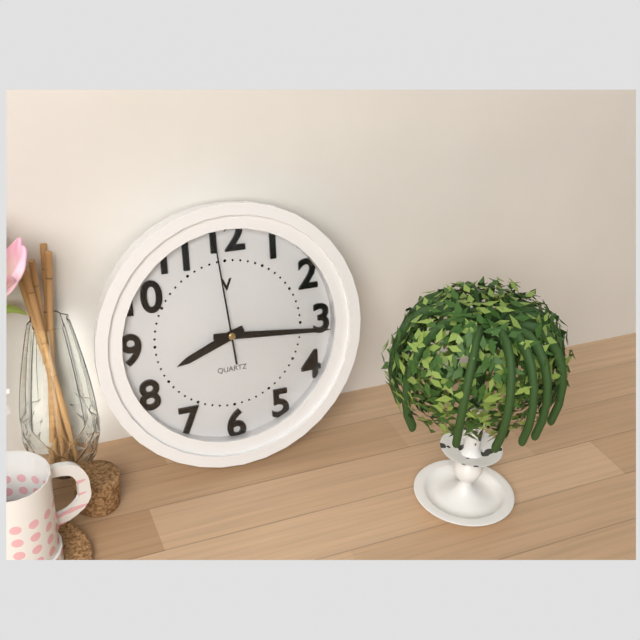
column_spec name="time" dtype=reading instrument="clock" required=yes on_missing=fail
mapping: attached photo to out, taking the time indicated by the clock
8:16:59
